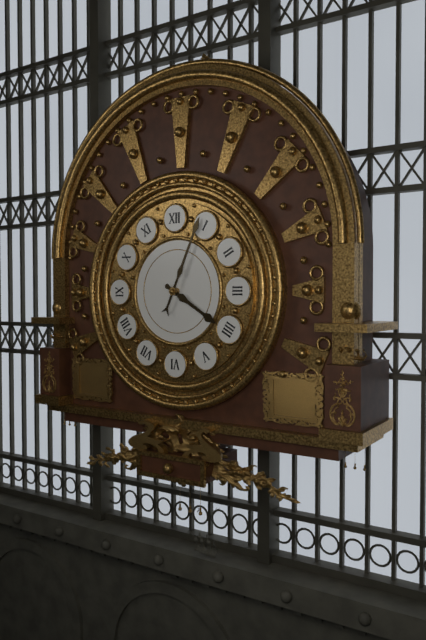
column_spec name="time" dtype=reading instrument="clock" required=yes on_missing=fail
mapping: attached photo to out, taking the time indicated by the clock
4:04
